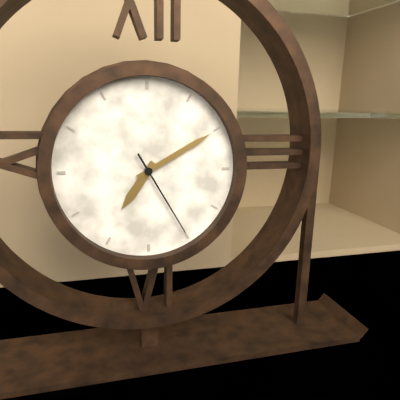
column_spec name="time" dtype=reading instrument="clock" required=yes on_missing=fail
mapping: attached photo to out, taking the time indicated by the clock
7:10:25
